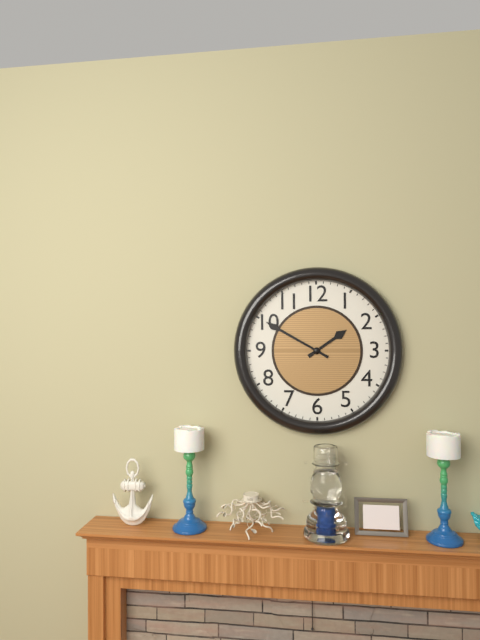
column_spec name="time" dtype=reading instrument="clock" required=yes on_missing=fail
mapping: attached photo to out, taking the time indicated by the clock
1:50
